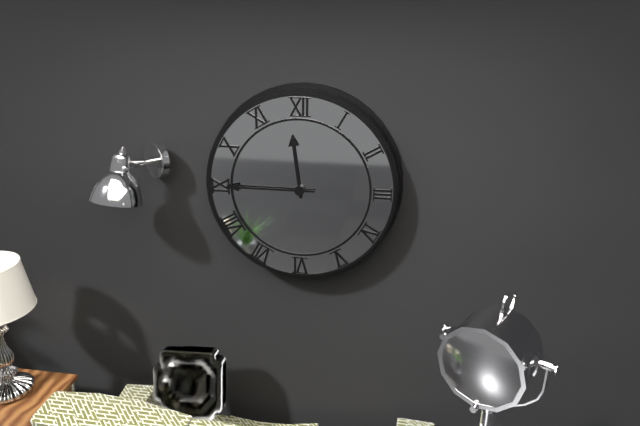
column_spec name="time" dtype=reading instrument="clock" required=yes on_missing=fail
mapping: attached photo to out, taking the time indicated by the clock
11:45
